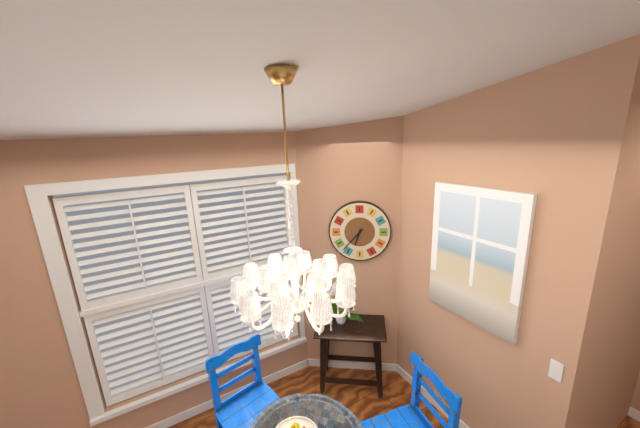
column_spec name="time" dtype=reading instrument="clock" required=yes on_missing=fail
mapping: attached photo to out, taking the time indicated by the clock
6:37
